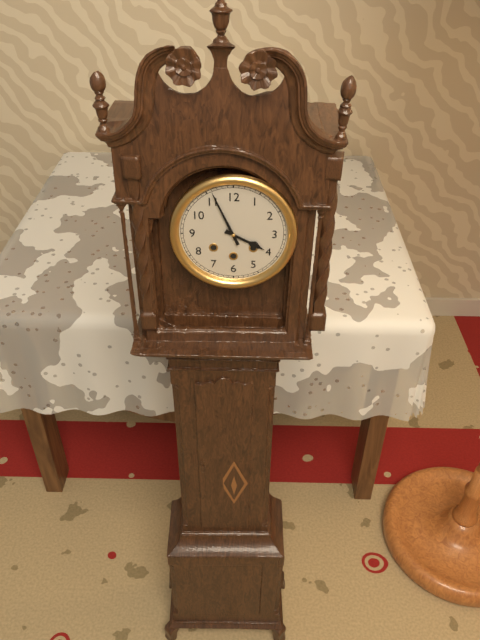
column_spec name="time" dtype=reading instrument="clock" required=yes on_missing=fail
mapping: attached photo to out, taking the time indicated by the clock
3:56
